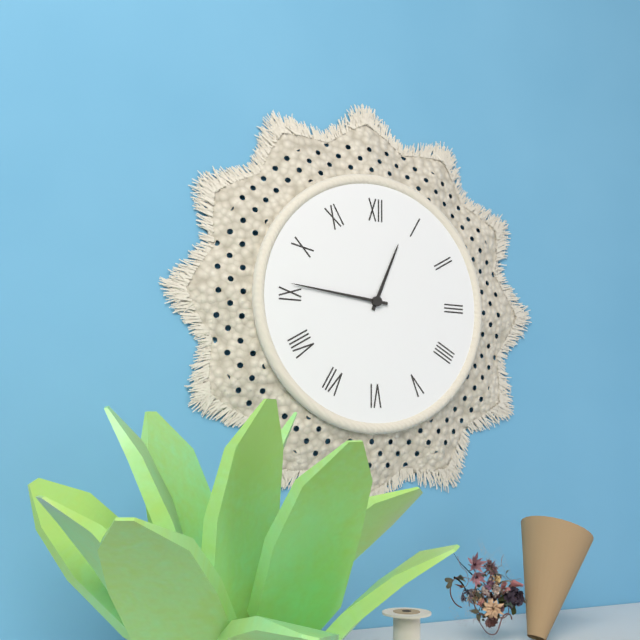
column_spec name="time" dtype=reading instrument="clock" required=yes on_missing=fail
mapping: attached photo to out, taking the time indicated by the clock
12:46
